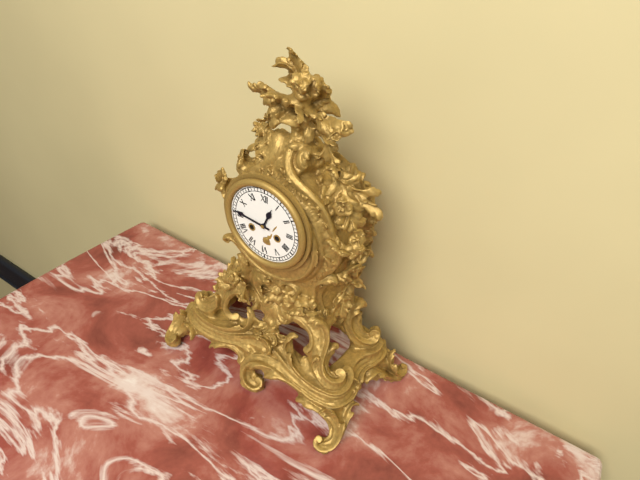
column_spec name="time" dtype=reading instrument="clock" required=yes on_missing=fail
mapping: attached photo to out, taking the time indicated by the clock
12:46
